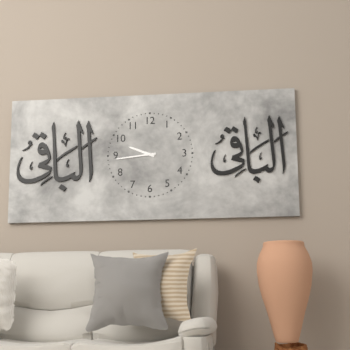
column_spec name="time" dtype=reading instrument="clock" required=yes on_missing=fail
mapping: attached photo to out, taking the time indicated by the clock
9:44
